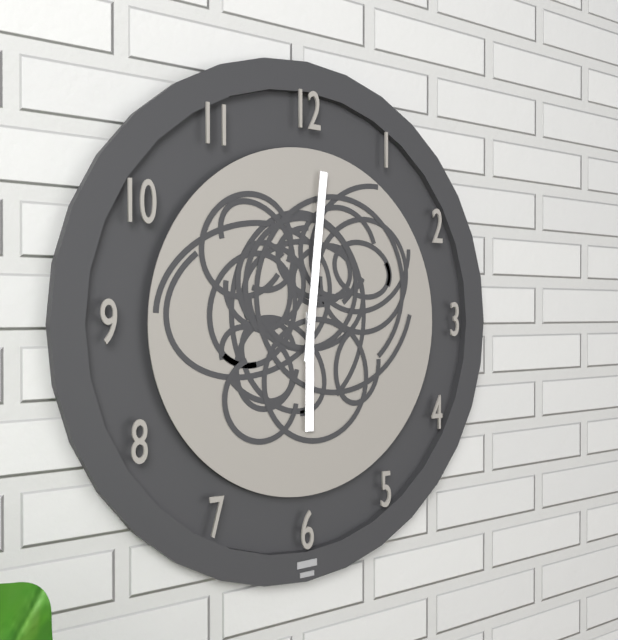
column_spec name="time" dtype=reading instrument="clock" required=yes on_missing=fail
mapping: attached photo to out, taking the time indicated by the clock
6:01
